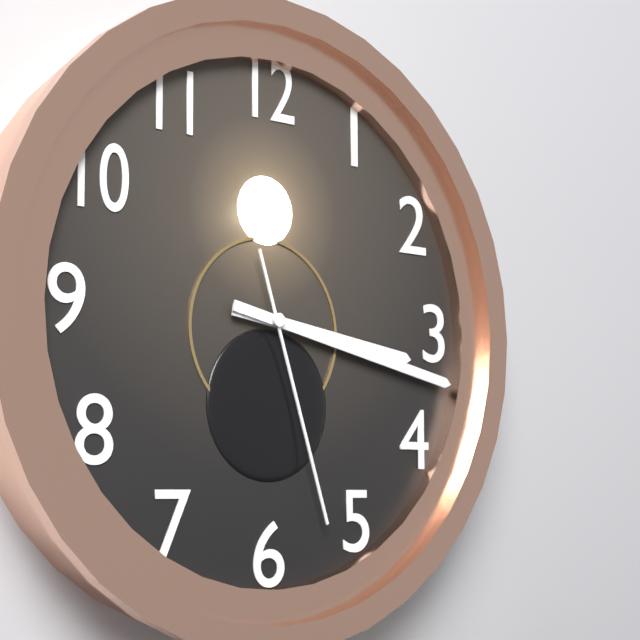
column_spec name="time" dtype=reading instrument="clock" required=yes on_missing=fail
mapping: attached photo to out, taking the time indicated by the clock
3:17:27
